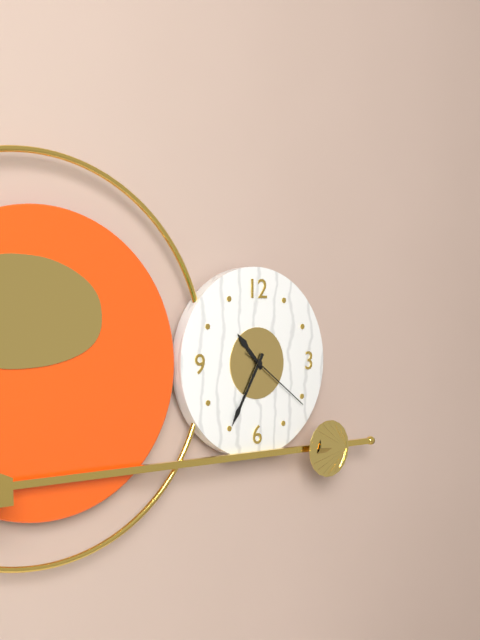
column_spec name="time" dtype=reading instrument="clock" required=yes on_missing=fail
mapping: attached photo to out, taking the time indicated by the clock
10:35:21
